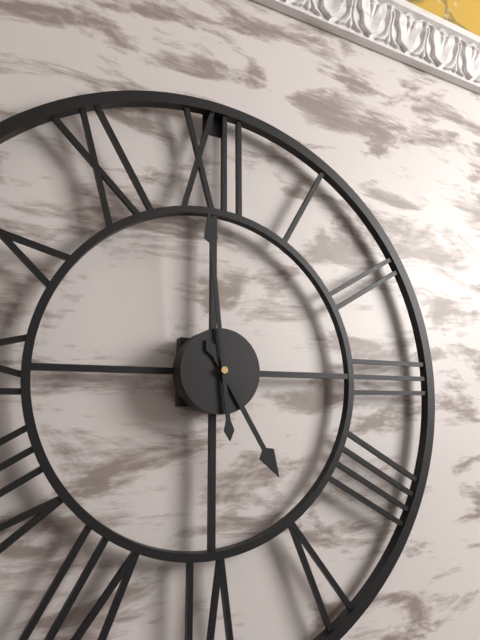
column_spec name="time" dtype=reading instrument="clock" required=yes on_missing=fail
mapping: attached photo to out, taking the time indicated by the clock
4:59
